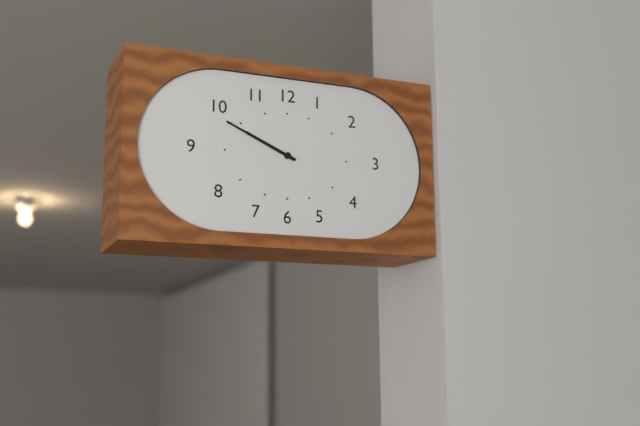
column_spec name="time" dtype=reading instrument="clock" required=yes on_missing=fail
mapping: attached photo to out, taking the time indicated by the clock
9:49
